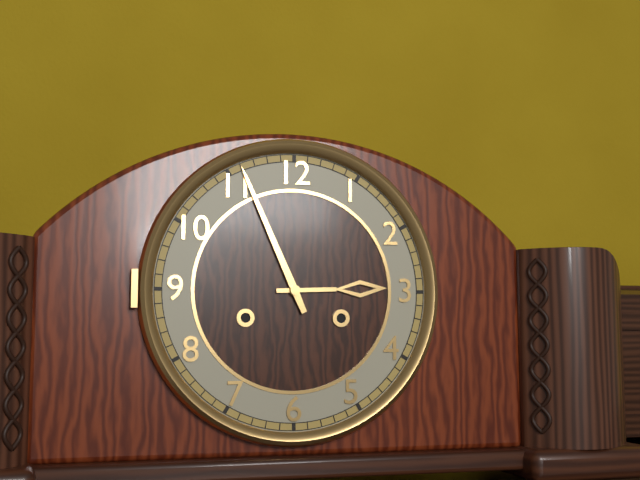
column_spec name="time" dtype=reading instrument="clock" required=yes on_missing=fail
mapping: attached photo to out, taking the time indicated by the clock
2:56
